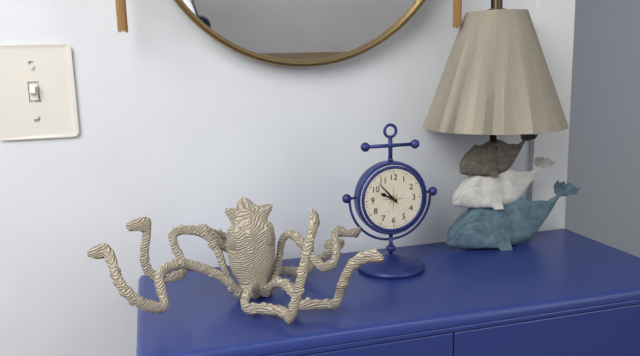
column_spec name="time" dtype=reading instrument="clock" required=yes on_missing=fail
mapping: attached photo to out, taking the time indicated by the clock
9:53
